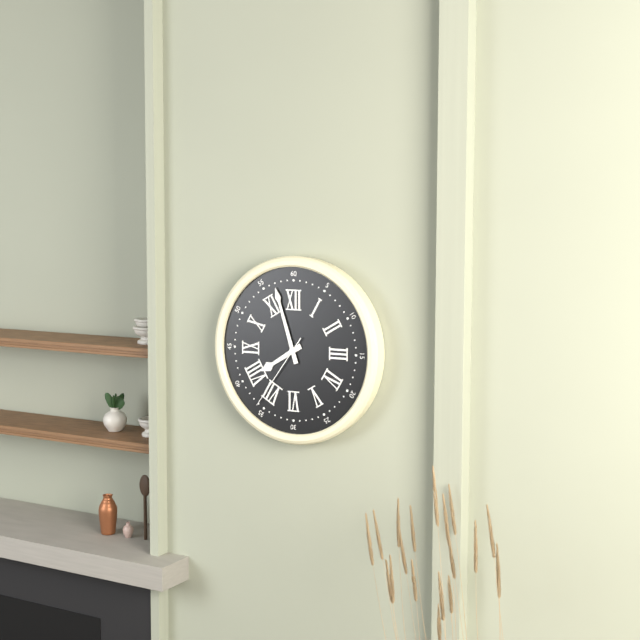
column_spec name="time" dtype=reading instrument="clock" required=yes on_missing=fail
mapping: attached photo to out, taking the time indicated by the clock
7:57:36
